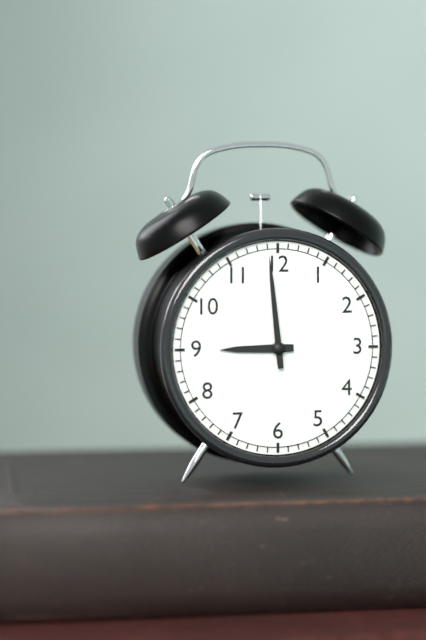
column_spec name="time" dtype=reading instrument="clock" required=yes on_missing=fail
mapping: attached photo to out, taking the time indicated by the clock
8:59
